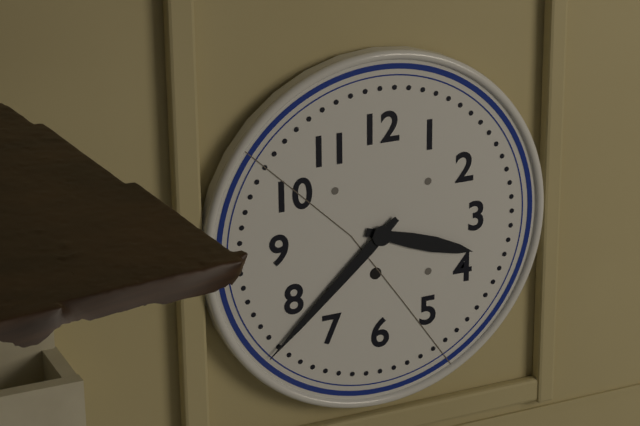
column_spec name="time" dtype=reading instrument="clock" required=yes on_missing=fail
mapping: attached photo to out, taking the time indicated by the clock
3:38
